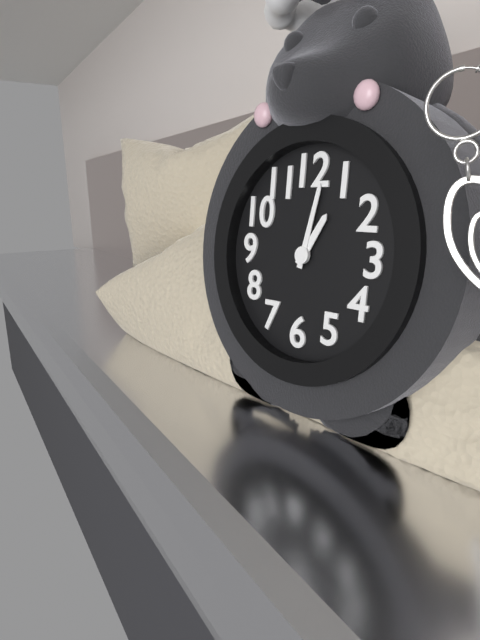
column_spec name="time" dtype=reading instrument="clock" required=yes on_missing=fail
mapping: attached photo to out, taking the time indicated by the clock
1:02
